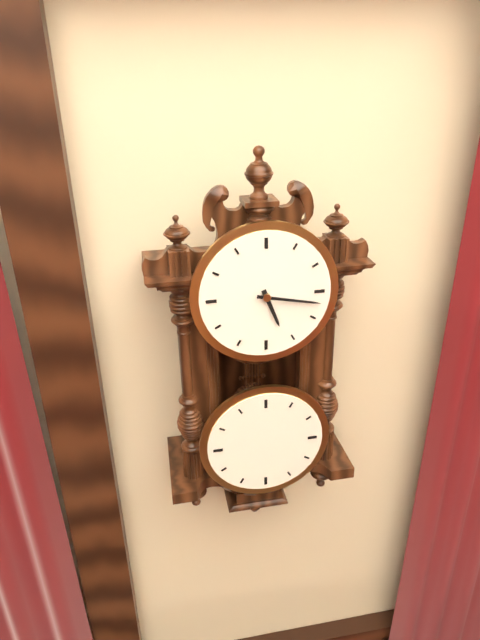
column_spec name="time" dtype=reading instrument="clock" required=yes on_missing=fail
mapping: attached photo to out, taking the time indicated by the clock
5:17
